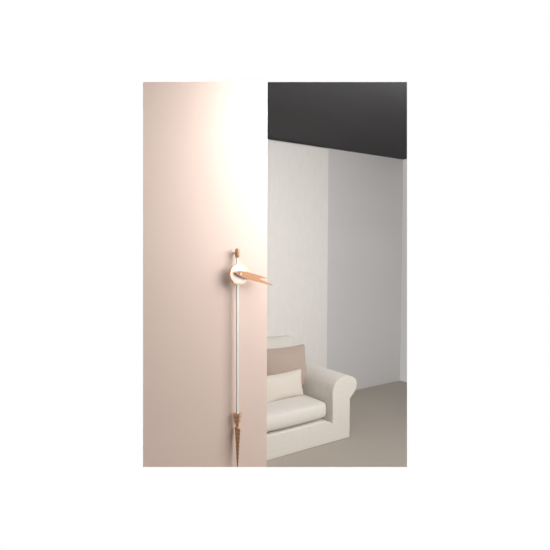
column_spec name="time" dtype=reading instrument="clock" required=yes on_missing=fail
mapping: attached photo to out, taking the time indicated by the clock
3:18
